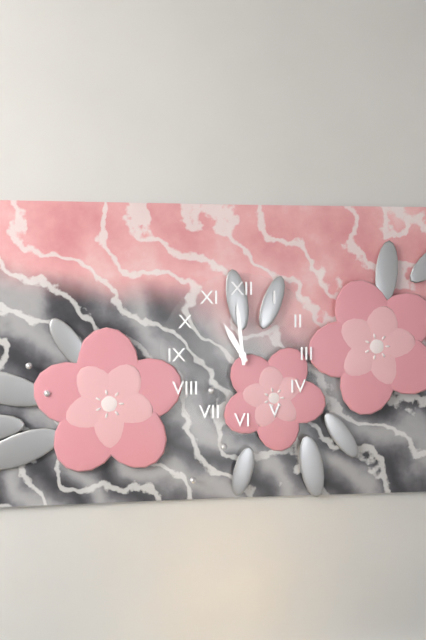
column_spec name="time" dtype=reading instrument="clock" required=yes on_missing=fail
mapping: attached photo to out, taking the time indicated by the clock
10:59
